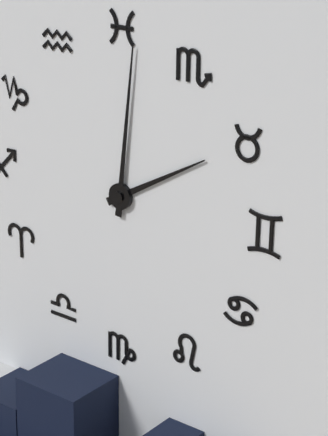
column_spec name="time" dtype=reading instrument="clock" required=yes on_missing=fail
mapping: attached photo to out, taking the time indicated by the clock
2:01
